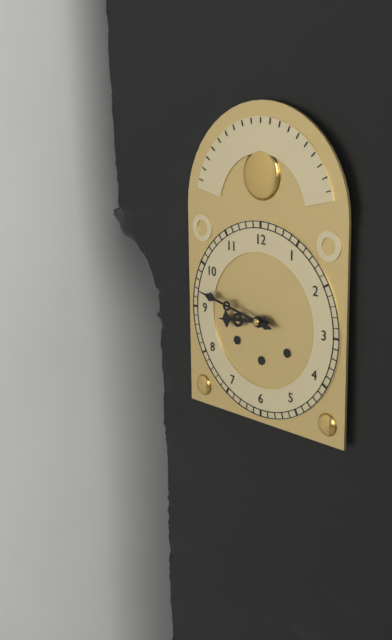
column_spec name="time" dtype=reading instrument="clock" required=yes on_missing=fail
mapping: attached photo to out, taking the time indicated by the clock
8:47
